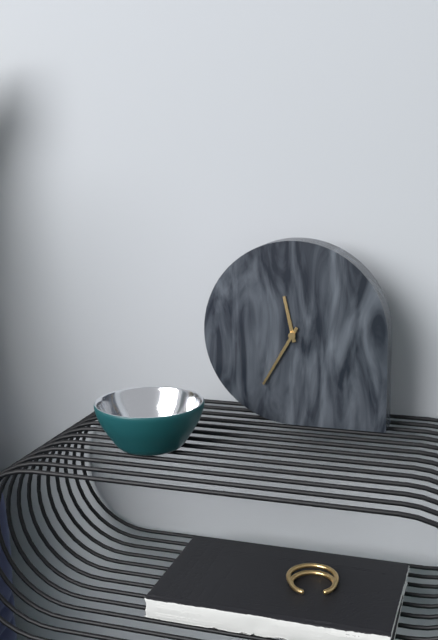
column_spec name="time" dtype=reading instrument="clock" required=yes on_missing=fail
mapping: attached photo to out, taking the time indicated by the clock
11:35
